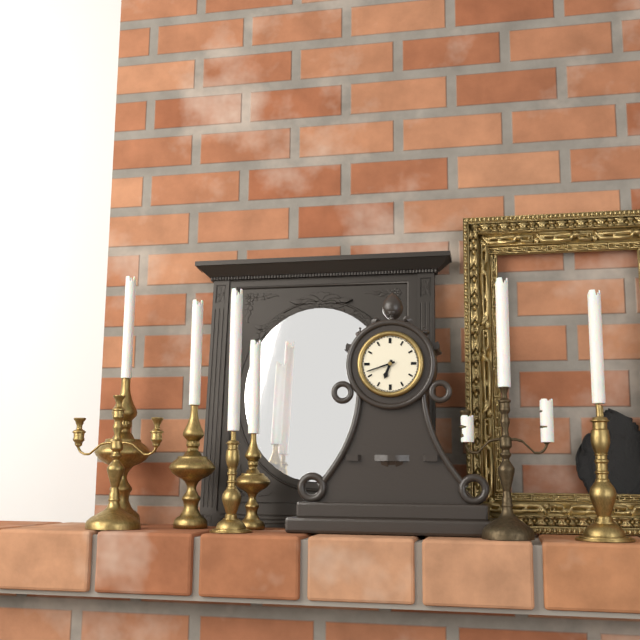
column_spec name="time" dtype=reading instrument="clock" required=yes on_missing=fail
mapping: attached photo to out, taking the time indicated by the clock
6:42
